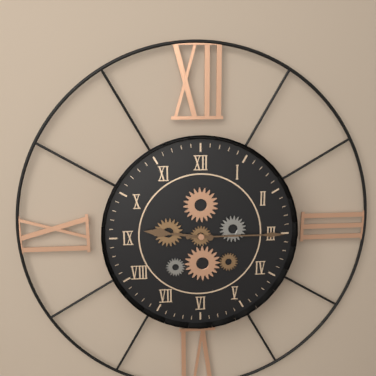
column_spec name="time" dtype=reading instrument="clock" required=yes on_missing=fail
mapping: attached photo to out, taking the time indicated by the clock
9:15
